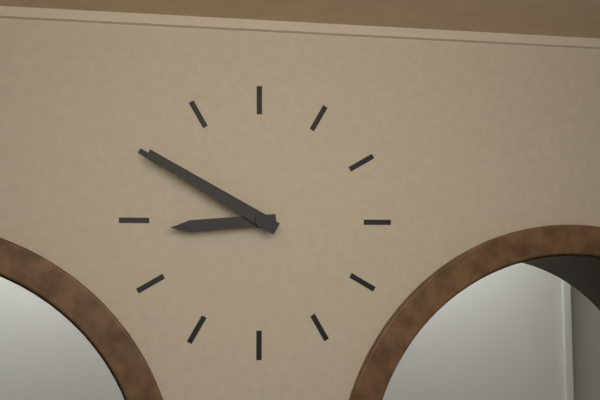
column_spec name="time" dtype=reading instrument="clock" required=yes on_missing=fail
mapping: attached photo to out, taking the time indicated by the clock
8:50
